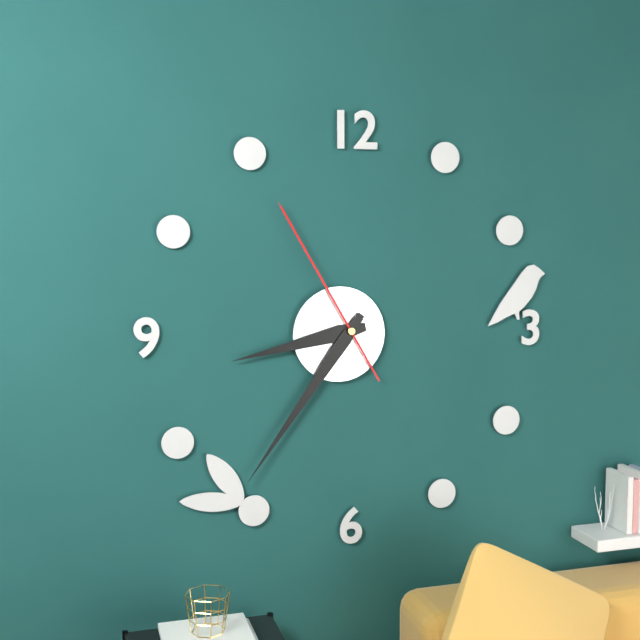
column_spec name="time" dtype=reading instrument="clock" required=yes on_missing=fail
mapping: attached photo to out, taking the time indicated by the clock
8:36:55
